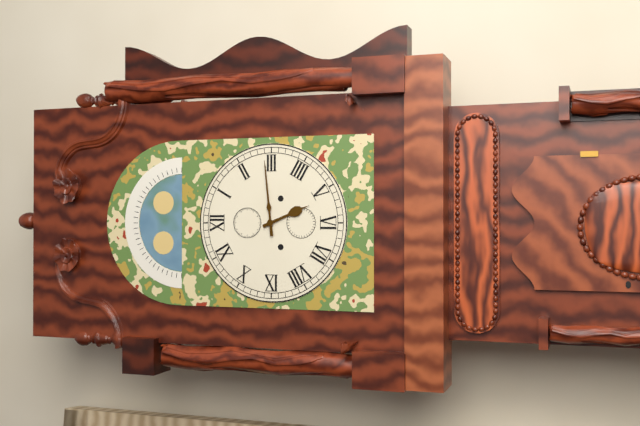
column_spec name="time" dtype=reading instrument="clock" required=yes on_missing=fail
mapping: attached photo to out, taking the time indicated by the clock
5:14
